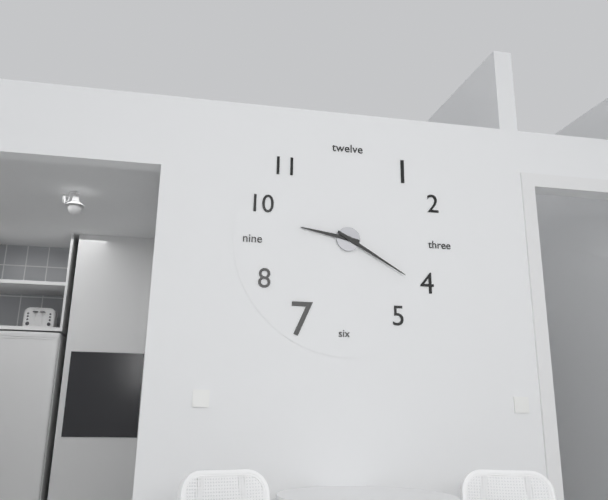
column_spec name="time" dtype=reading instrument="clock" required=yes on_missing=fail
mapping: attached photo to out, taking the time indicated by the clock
9:20
